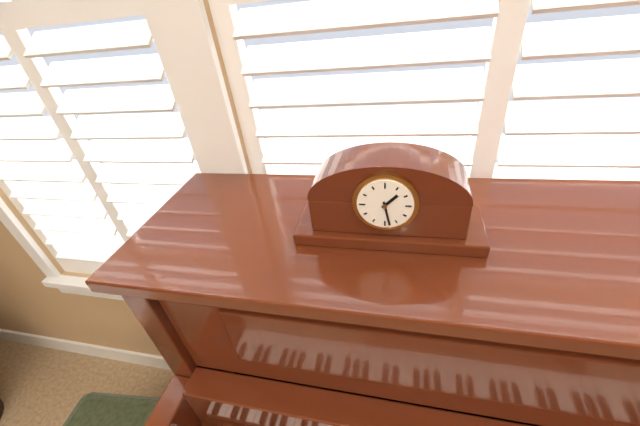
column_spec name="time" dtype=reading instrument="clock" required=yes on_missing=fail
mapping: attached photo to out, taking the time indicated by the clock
1:28
